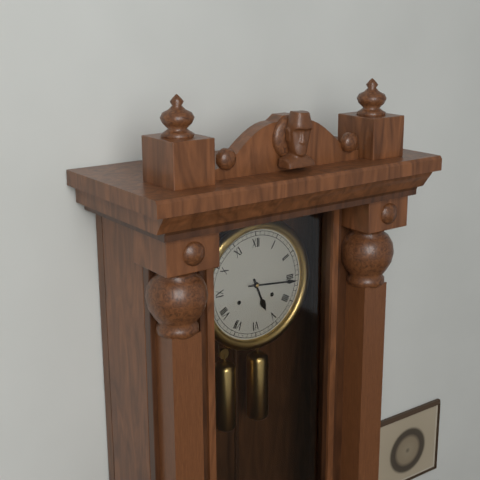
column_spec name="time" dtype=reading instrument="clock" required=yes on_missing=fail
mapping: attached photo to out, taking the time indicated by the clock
5:16
